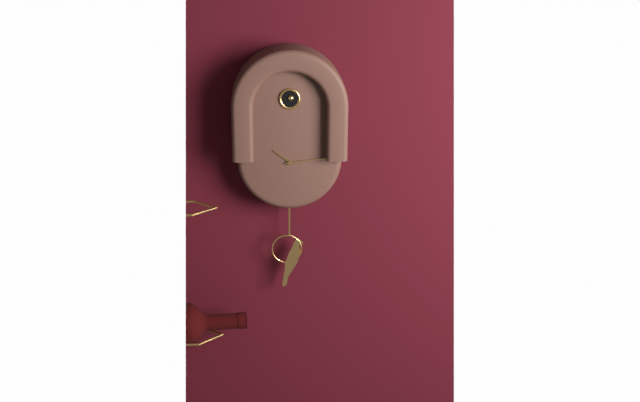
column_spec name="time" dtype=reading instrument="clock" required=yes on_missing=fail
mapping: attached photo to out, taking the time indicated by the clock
10:14
